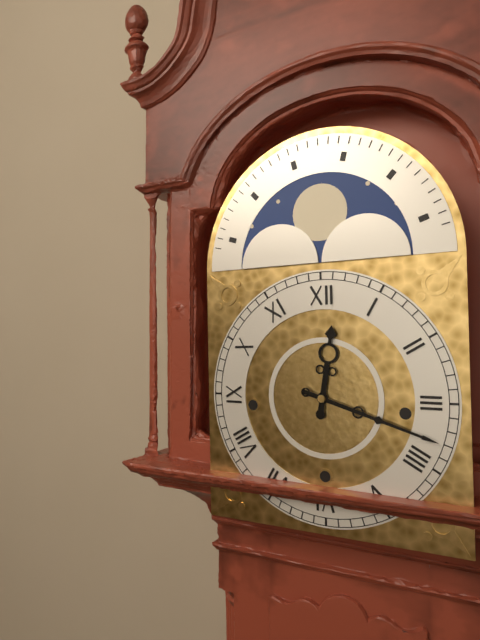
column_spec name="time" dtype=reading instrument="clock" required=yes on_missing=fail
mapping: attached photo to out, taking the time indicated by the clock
12:18
